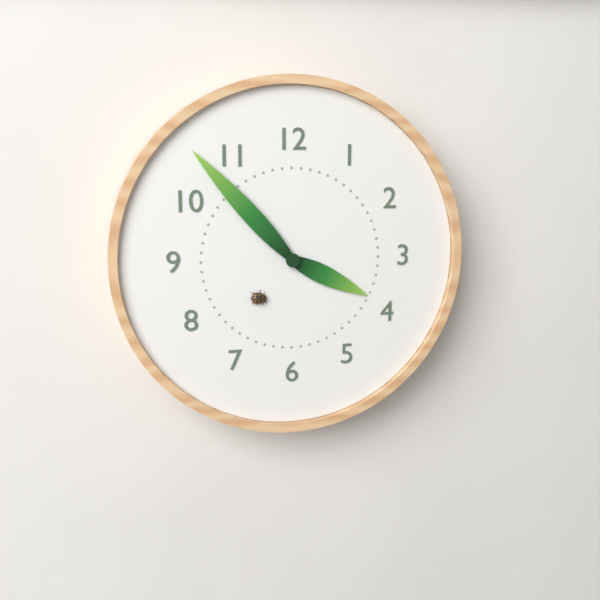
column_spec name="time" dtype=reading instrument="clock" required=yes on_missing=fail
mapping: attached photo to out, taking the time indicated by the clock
3:53
